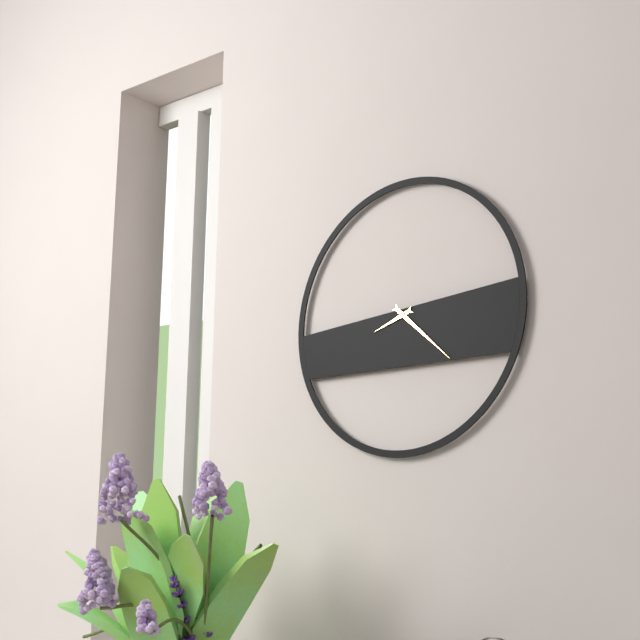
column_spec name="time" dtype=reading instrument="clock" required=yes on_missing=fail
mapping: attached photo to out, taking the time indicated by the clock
8:22
